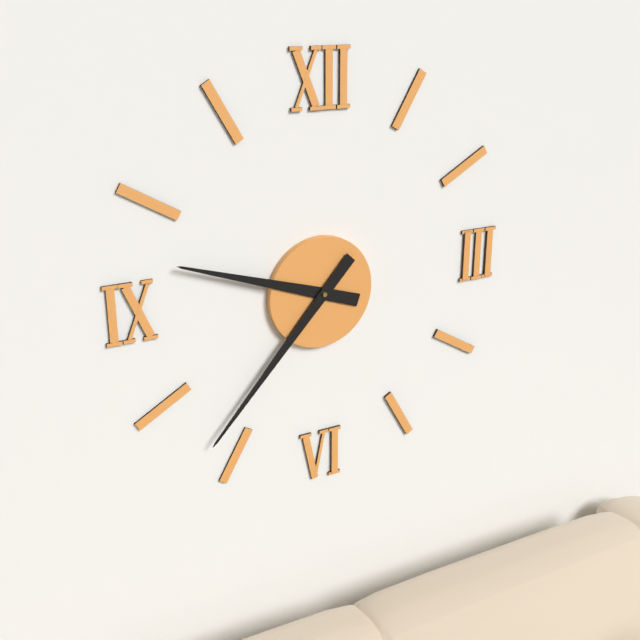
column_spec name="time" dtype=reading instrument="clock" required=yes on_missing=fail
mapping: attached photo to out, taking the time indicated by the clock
9:37
